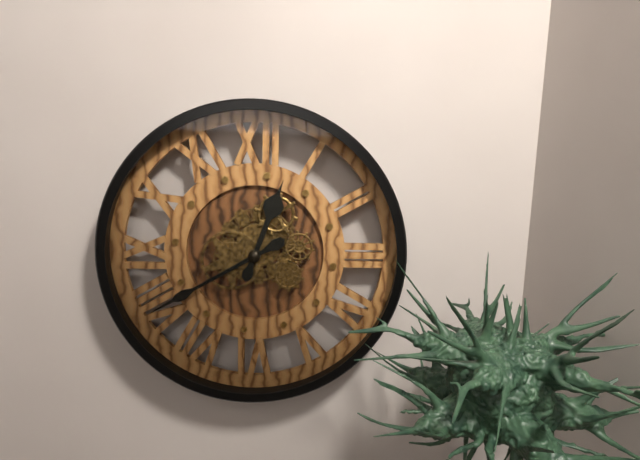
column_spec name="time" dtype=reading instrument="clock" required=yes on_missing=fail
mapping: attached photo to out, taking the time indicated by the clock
12:40
